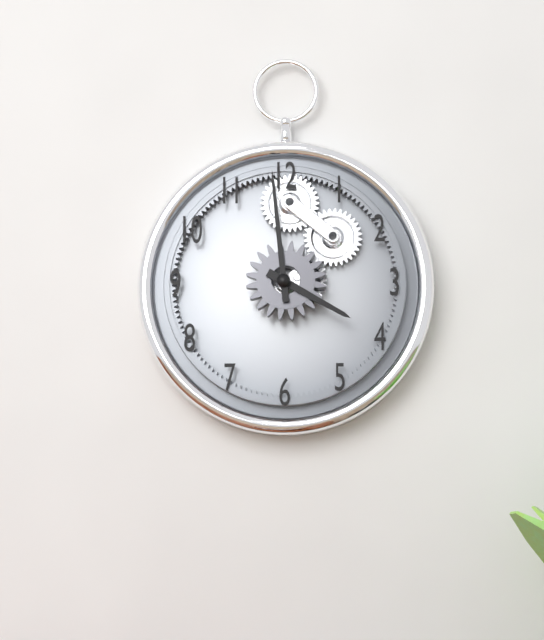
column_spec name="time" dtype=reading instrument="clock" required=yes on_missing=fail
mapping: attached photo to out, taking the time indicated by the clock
3:59
